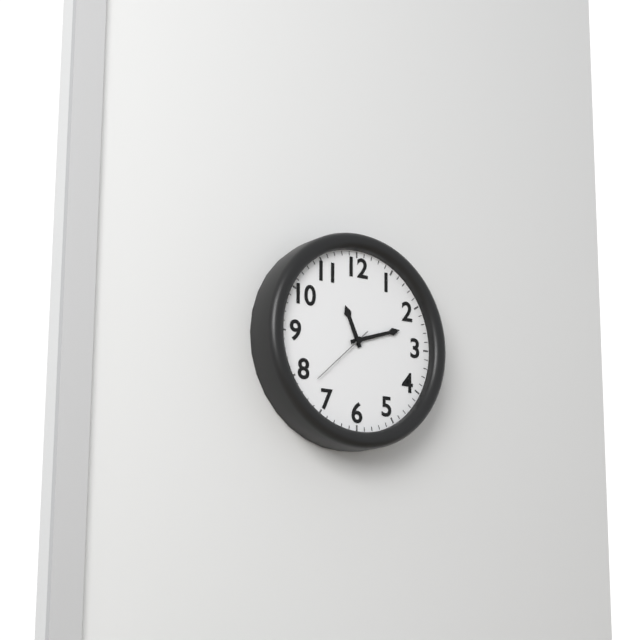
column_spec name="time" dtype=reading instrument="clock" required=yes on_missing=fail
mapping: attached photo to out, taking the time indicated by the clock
11:12:38
